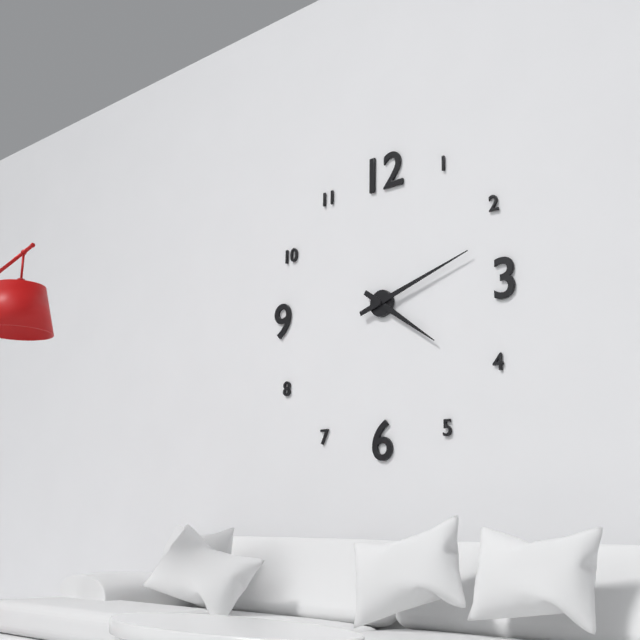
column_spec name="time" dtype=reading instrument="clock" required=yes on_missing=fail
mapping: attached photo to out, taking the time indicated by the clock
4:12
